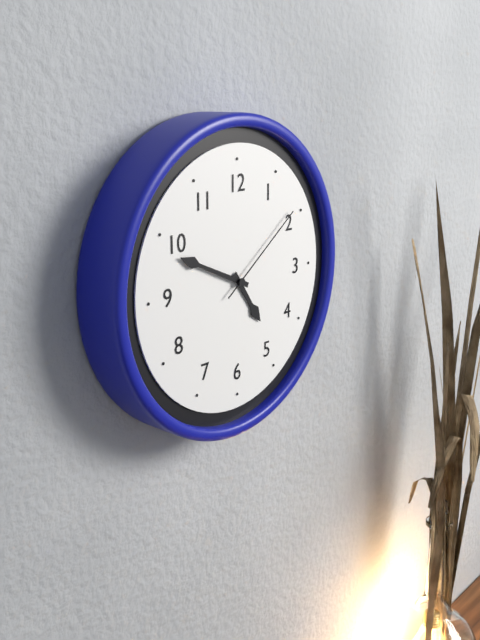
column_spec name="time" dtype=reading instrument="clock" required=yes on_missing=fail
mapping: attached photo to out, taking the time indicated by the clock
4:49:09
